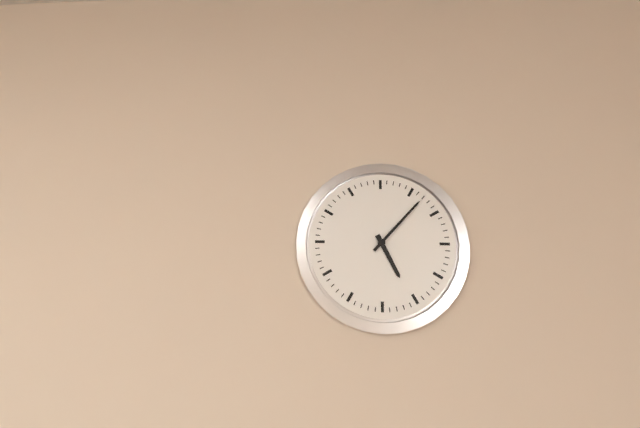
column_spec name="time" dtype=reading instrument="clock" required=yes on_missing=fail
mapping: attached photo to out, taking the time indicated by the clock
5:07
